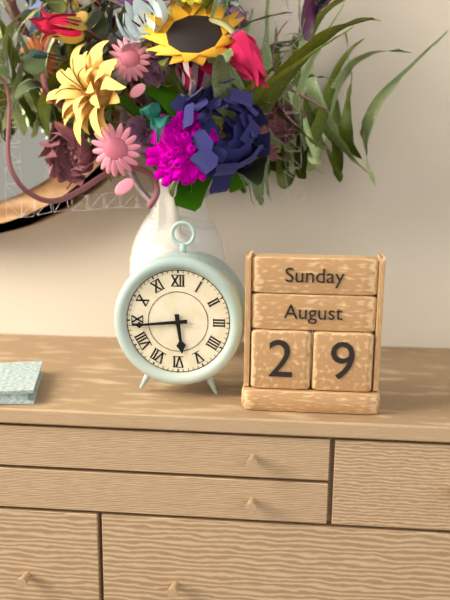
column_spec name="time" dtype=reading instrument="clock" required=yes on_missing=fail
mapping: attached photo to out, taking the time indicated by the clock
5:44
